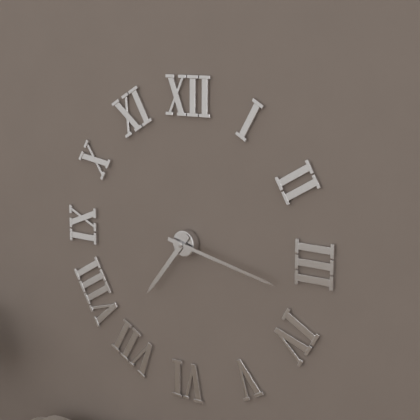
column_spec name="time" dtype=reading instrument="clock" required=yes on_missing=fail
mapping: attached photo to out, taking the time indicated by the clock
7:17
